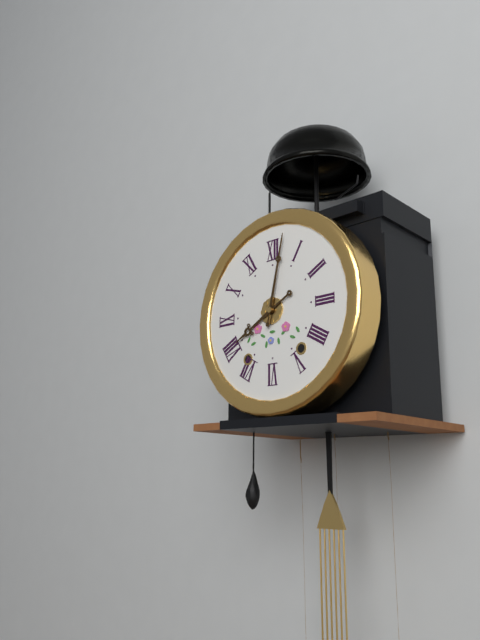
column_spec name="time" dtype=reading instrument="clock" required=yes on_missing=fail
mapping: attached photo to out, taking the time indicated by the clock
8:02
